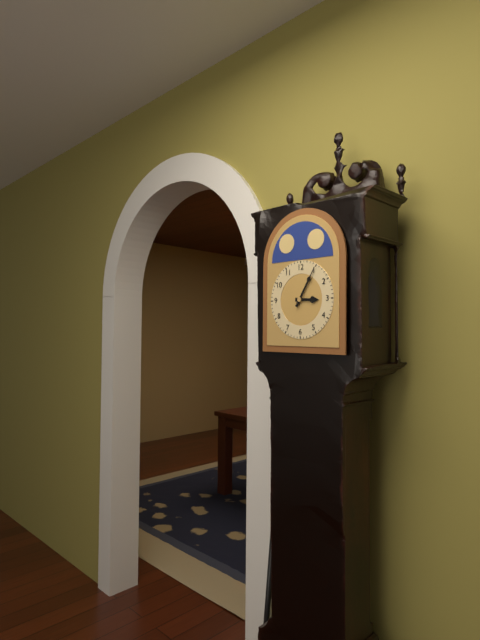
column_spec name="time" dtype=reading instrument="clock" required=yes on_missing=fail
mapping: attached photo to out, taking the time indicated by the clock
3:05
